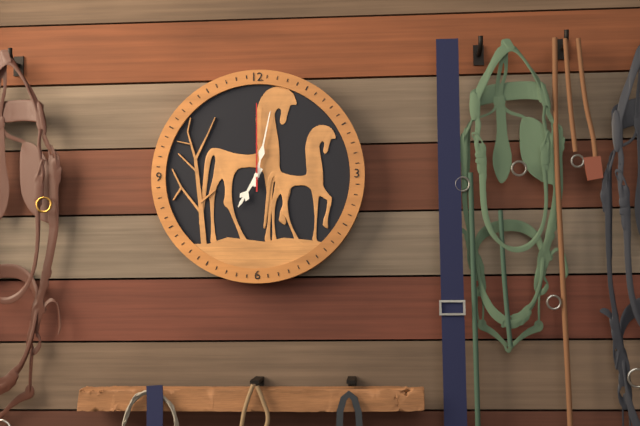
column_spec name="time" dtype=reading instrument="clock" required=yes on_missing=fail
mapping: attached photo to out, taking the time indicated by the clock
7:02:00
